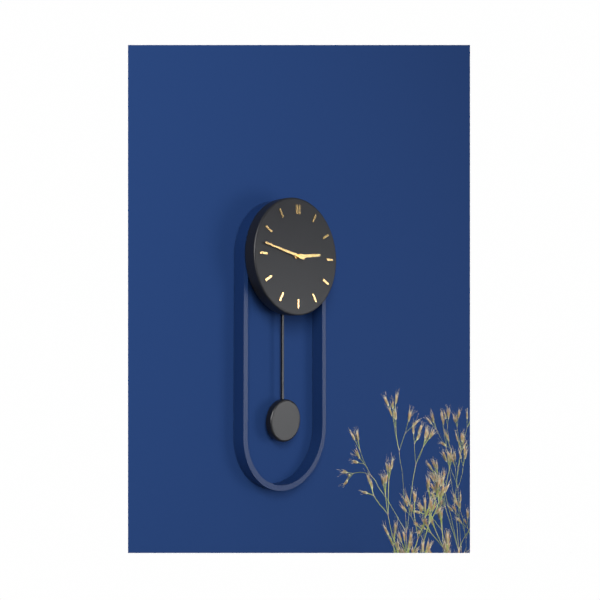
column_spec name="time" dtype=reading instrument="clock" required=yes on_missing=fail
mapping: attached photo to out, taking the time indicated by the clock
2:47
